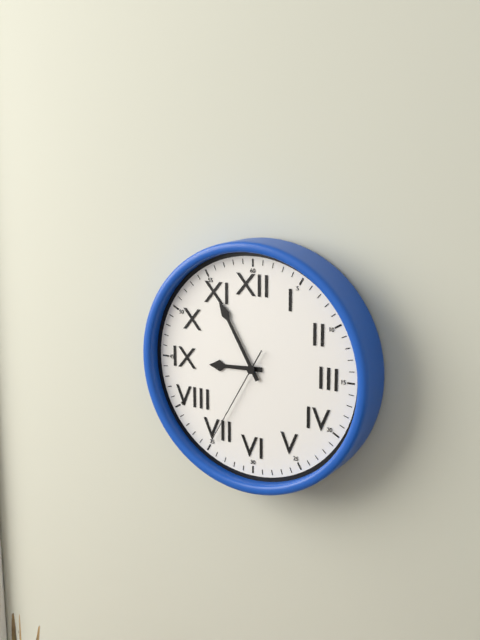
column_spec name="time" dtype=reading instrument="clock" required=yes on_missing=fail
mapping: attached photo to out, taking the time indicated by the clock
8:55:35
